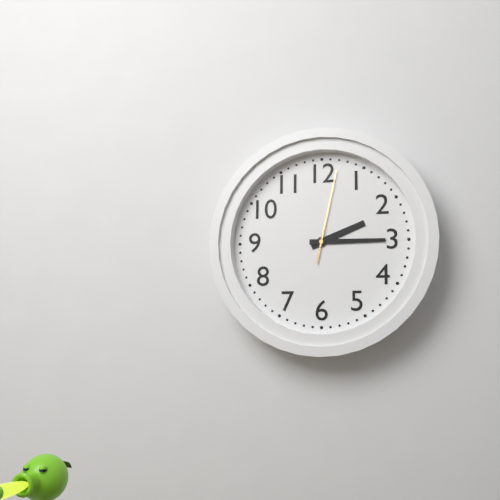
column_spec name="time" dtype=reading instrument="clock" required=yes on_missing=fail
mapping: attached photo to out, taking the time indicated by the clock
2:15:02
